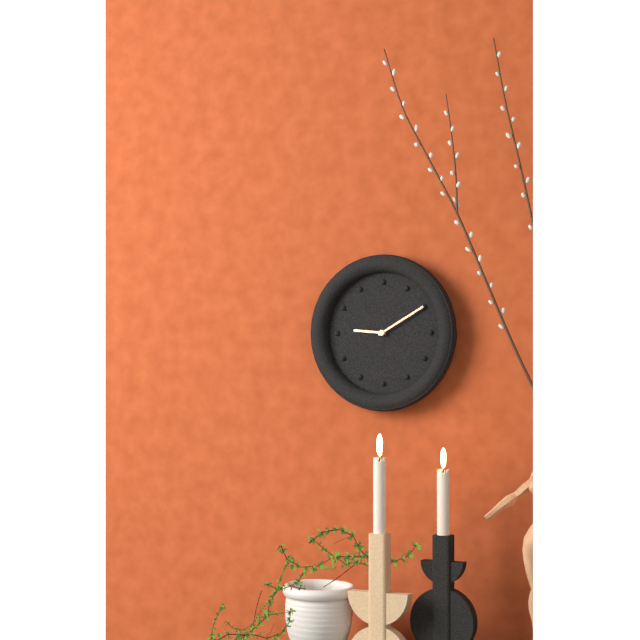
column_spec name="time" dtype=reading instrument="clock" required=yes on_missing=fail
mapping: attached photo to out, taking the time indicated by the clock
9:10
